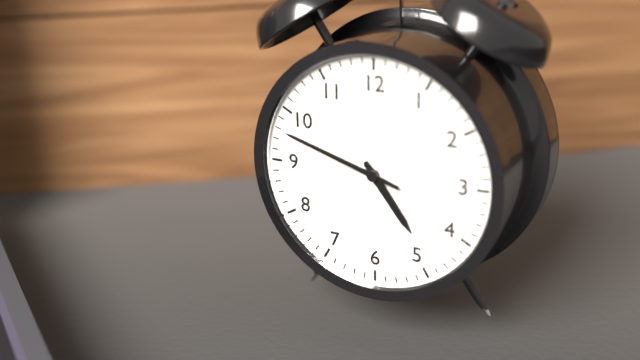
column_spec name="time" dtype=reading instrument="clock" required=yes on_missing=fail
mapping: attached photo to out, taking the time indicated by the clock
4:48
